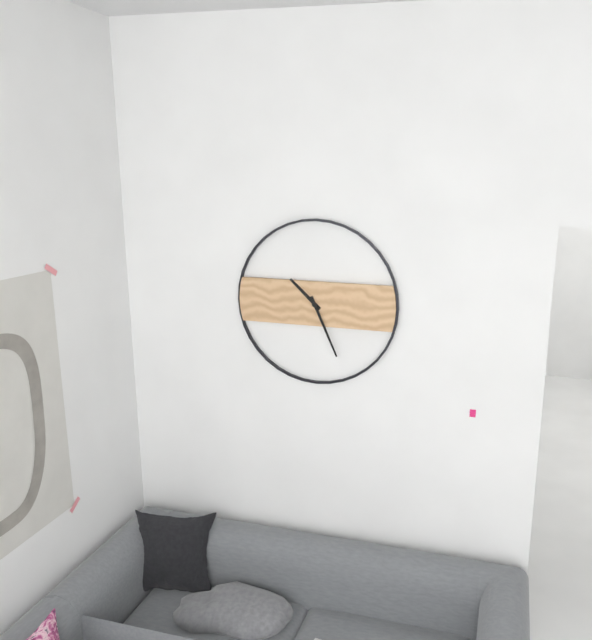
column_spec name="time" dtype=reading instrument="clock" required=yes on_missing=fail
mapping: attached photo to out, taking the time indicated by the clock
10:26
